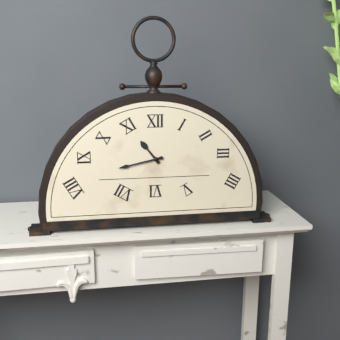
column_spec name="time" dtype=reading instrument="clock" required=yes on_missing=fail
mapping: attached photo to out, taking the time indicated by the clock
10:43
